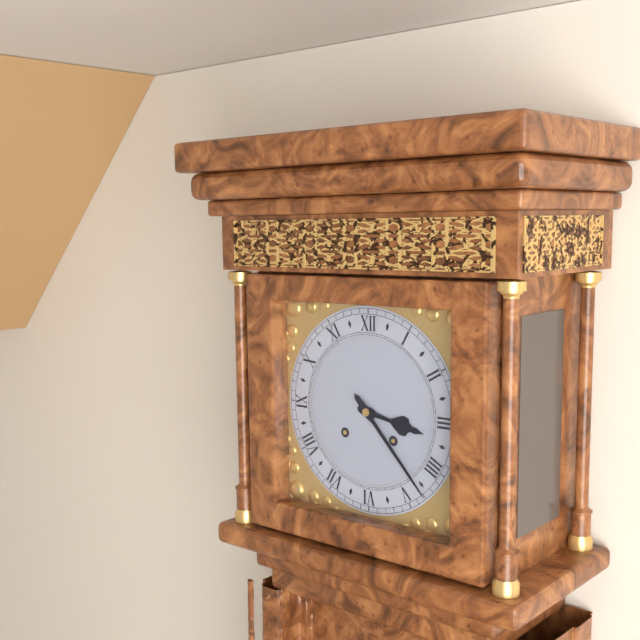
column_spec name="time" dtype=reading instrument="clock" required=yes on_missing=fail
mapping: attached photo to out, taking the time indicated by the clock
3:23
